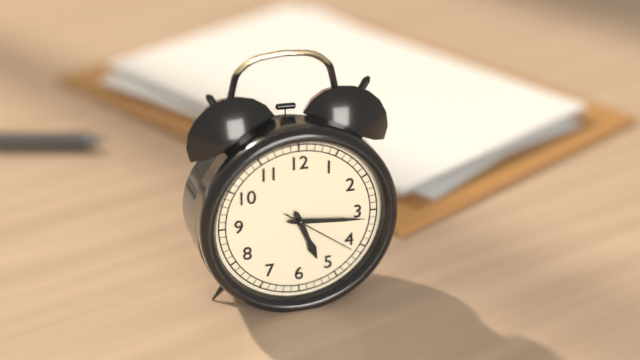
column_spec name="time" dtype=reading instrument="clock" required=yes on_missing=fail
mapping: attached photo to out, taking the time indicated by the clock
5:16:21
